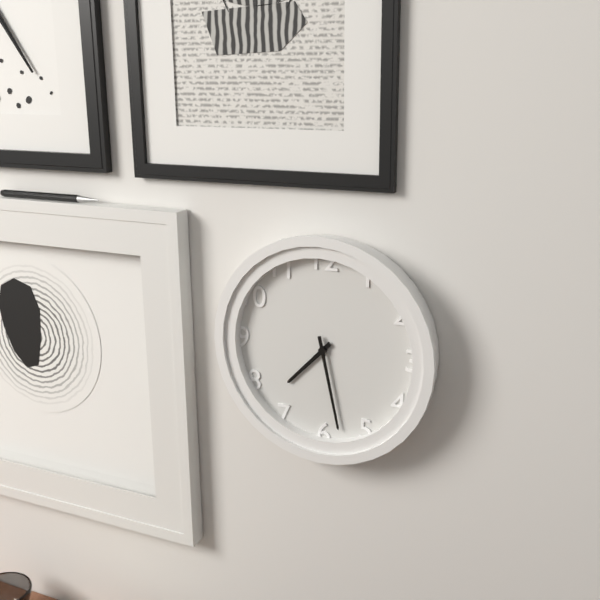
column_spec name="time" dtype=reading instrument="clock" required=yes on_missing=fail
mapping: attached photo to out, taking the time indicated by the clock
7:28
